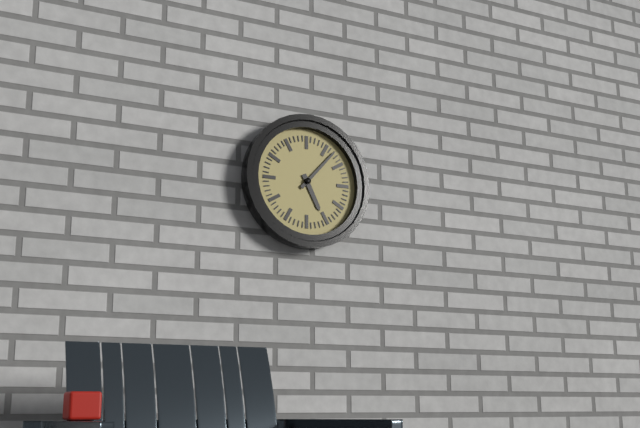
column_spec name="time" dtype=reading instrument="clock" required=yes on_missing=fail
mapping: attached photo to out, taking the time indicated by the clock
5:07
